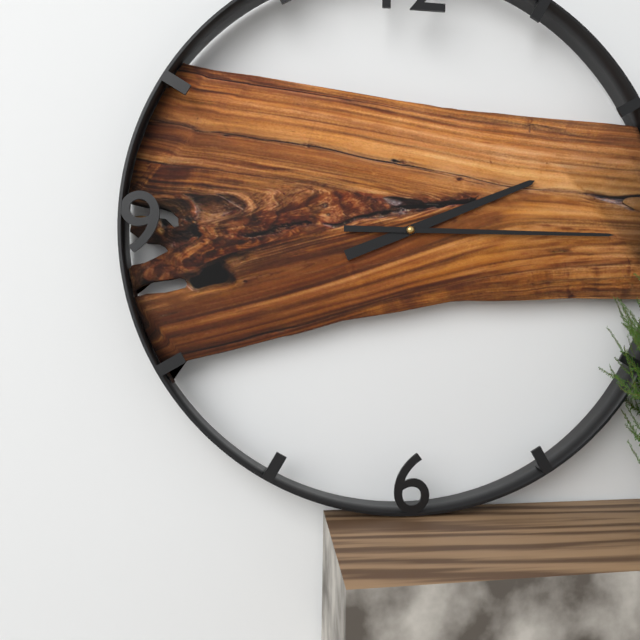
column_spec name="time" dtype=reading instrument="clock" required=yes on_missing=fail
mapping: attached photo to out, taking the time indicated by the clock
2:15
